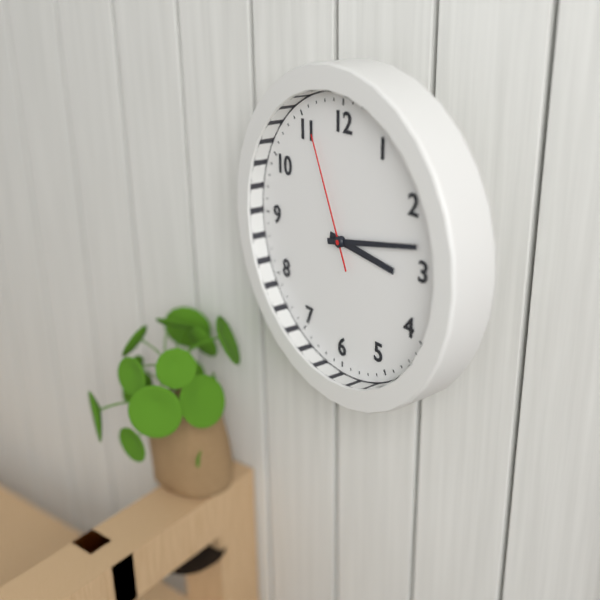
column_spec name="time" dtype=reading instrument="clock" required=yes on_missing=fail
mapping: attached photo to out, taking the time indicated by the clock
3:13:56
